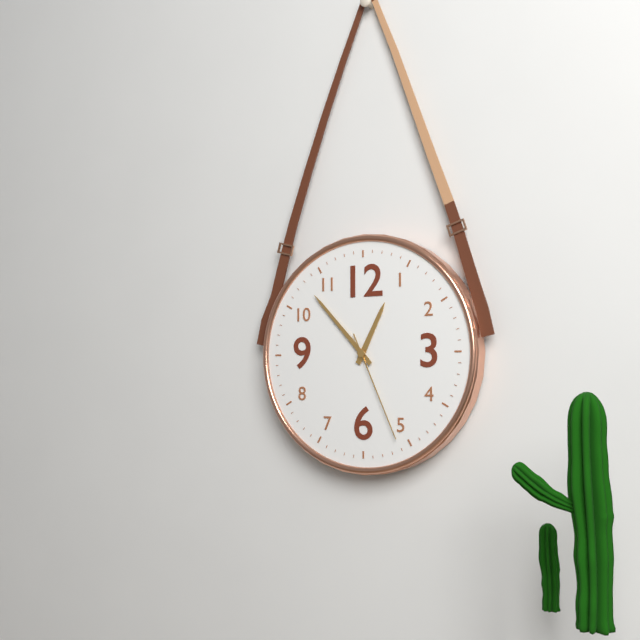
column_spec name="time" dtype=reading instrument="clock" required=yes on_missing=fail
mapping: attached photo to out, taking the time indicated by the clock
12:53:26
